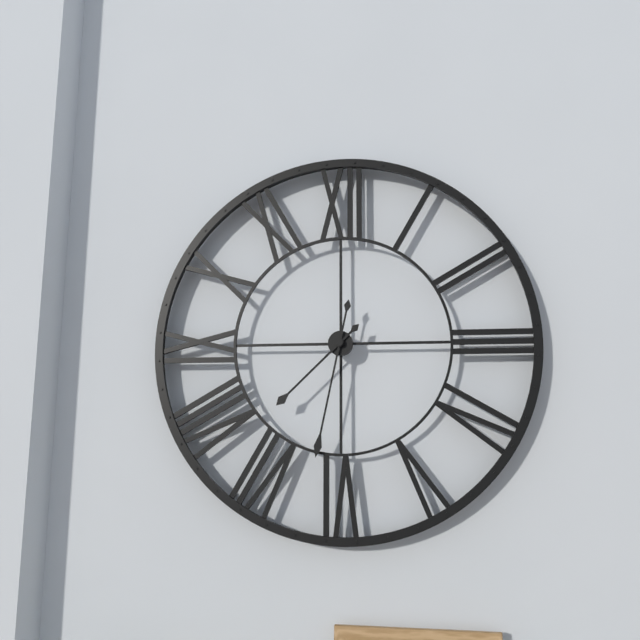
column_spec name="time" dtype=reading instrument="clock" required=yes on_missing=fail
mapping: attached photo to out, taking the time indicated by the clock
7:32
